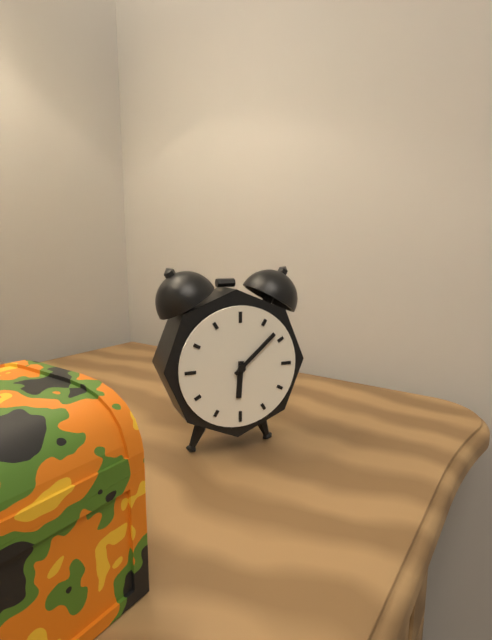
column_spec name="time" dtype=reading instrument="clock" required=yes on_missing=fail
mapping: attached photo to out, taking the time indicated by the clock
6:08
